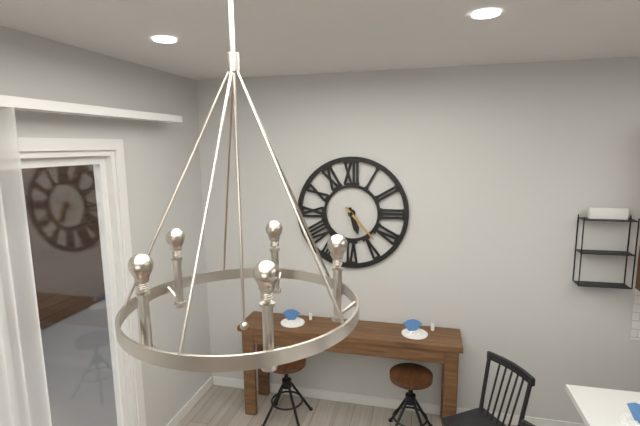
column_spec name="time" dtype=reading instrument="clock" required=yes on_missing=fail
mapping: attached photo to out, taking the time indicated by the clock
5:23
